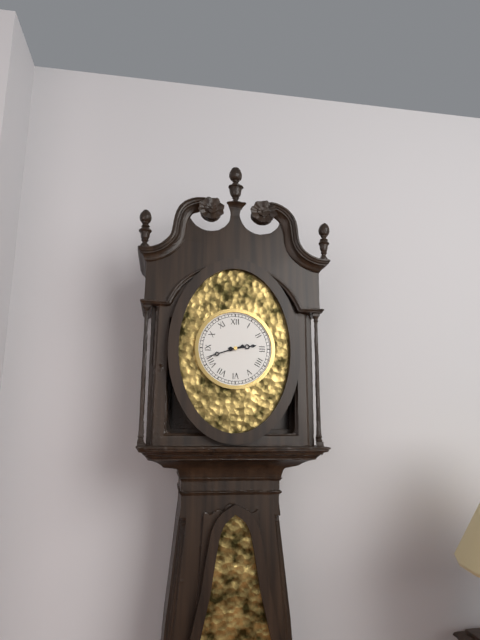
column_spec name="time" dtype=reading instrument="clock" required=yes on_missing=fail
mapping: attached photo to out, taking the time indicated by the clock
2:42
